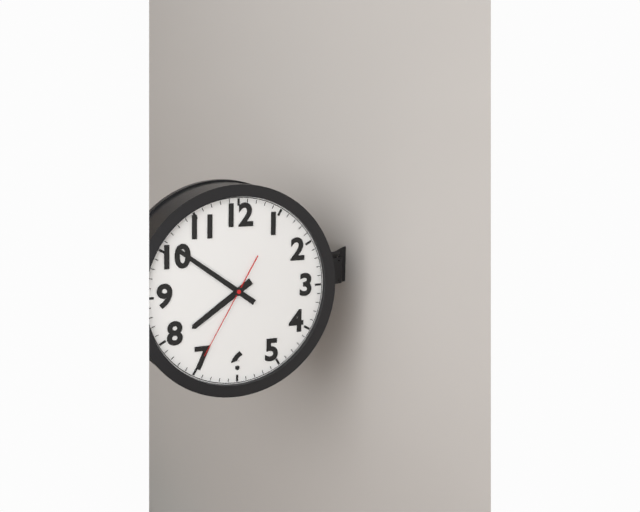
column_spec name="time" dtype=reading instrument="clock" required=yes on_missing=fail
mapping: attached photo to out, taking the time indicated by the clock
7:51:35
